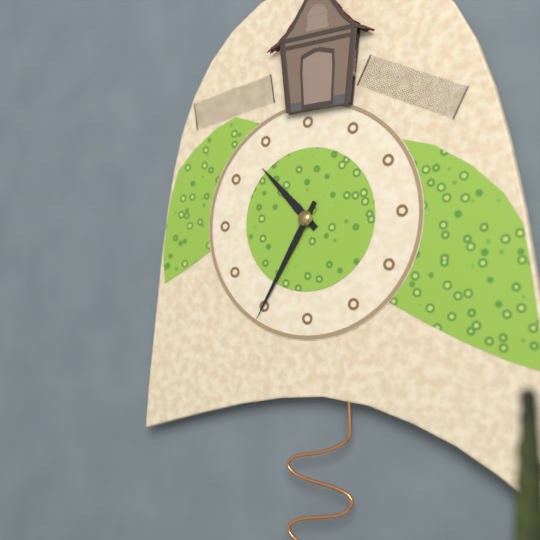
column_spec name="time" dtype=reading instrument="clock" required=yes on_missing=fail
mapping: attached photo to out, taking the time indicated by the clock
10:35
